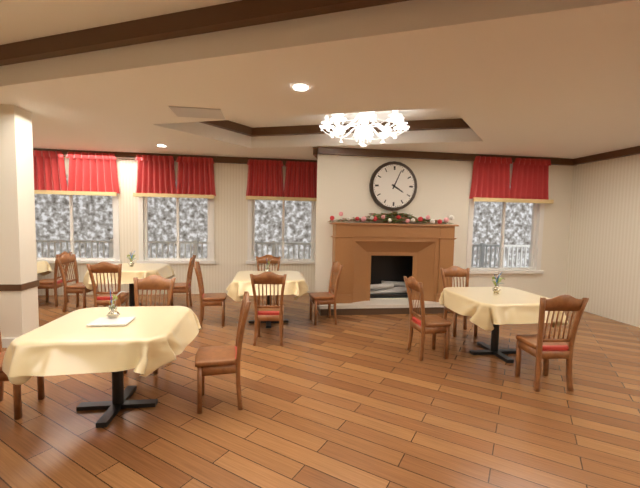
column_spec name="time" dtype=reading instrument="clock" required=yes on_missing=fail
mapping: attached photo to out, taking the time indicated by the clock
4:04
